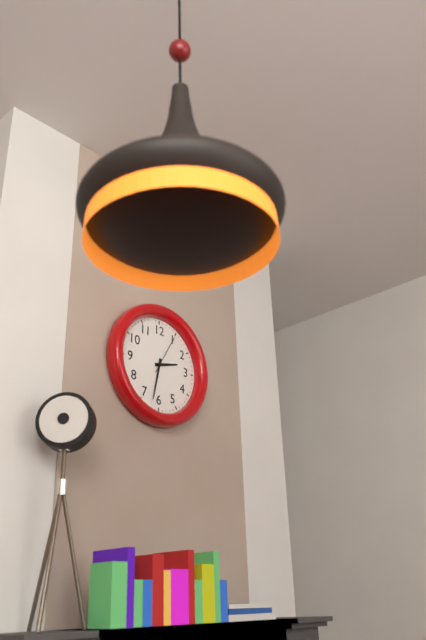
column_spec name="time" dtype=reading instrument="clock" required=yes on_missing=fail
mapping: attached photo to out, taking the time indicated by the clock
2:32
